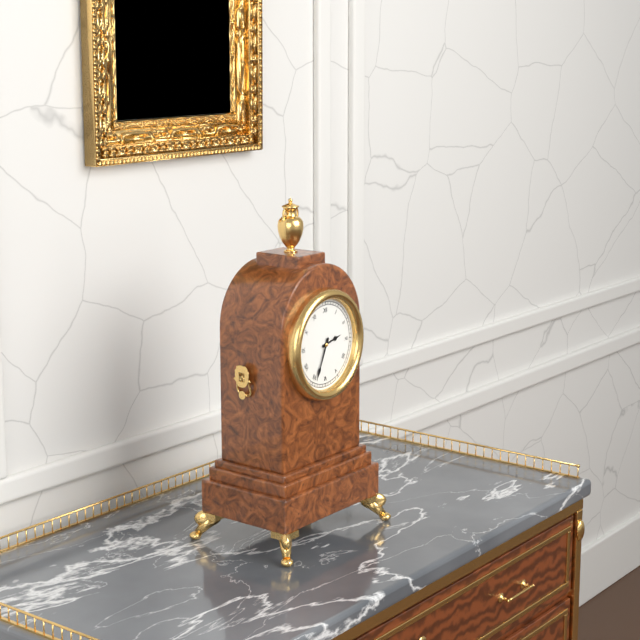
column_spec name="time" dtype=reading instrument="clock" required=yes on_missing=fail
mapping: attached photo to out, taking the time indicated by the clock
2:34
